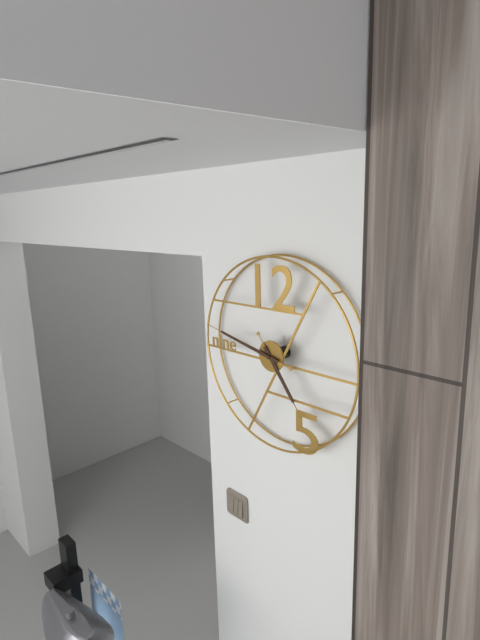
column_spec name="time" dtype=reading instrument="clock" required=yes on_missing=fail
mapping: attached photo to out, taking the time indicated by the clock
4:47
